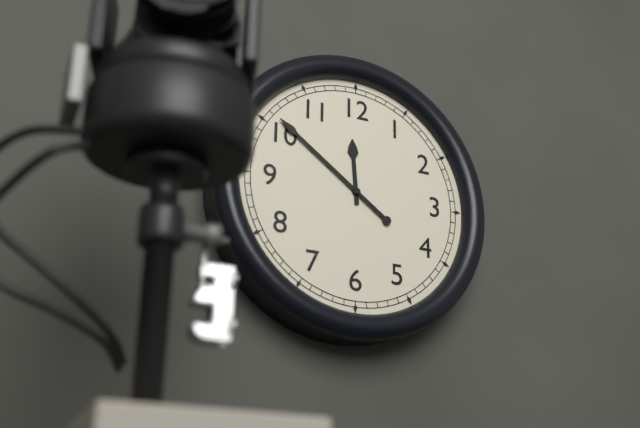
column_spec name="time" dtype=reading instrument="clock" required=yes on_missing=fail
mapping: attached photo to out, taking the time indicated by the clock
11:51
